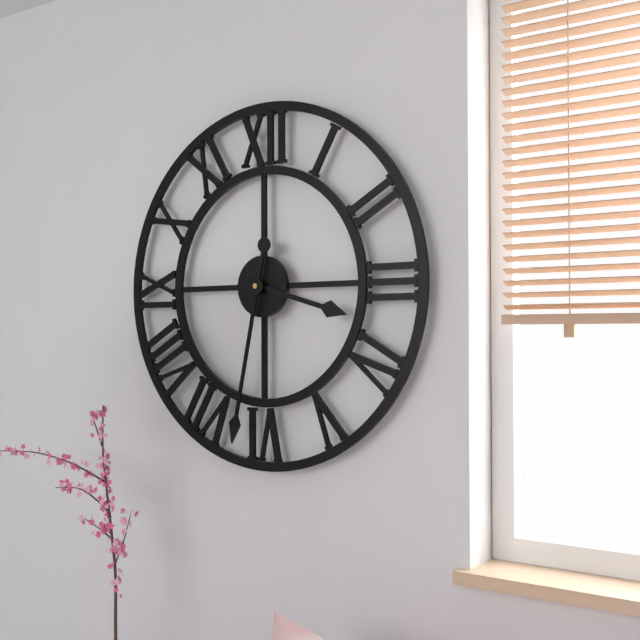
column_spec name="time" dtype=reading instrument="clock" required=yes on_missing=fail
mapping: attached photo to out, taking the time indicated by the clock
3:32
